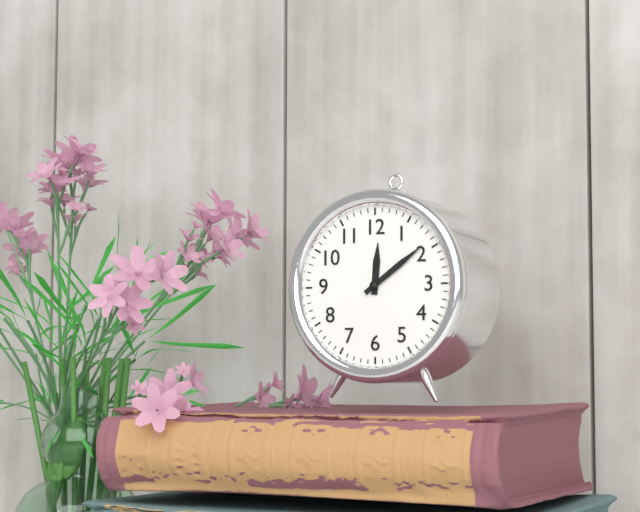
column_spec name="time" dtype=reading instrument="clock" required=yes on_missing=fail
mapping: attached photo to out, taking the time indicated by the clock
12:09
